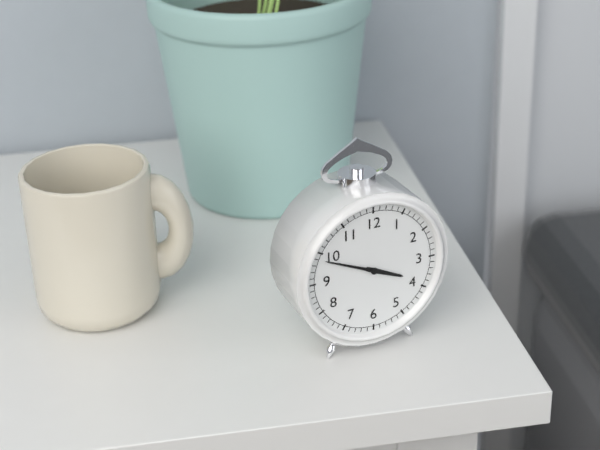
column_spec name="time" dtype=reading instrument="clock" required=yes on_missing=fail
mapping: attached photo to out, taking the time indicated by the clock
3:49
